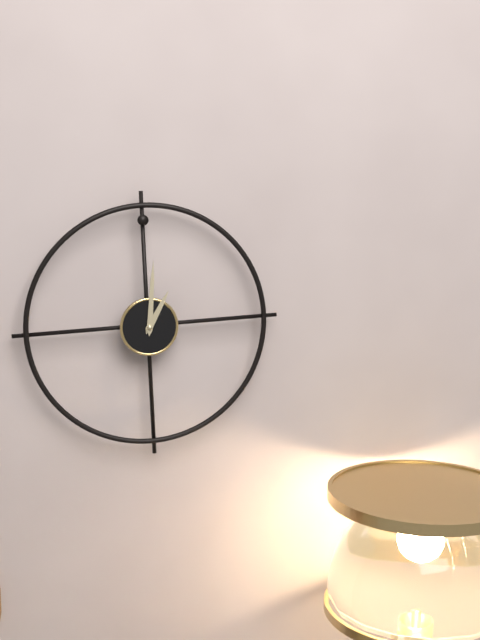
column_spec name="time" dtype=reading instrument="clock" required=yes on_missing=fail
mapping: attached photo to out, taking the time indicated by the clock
1:01
